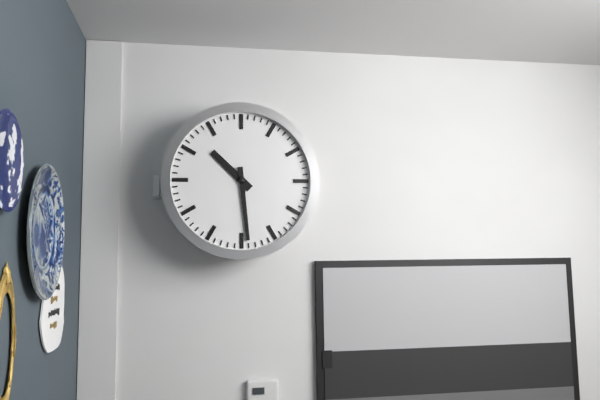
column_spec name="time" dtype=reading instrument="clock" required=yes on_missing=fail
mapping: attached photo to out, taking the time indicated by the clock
10:29
